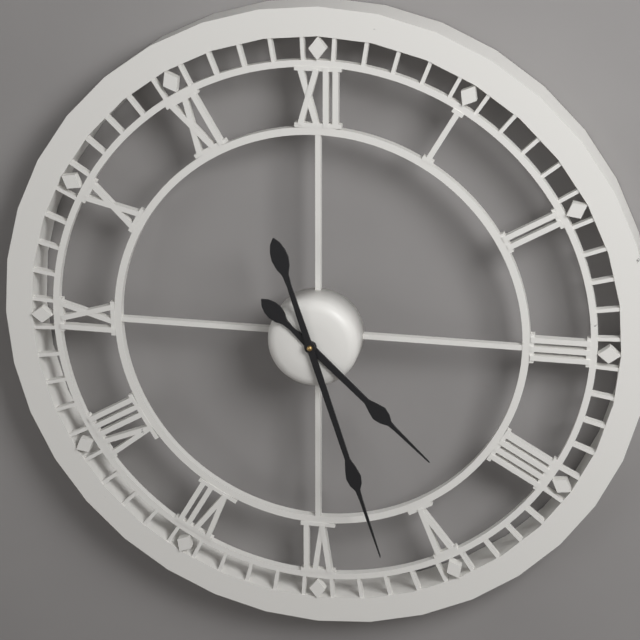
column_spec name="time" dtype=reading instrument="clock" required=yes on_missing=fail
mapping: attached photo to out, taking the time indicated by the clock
4:27
